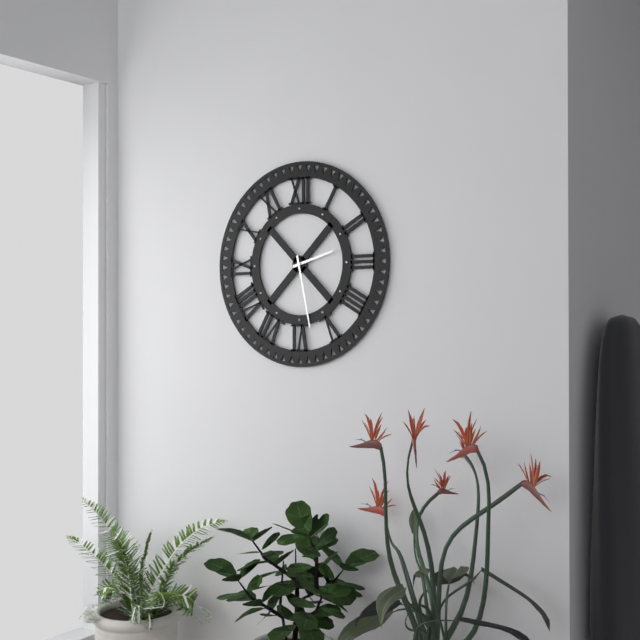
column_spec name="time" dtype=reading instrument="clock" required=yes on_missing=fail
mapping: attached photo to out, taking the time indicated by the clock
2:28
